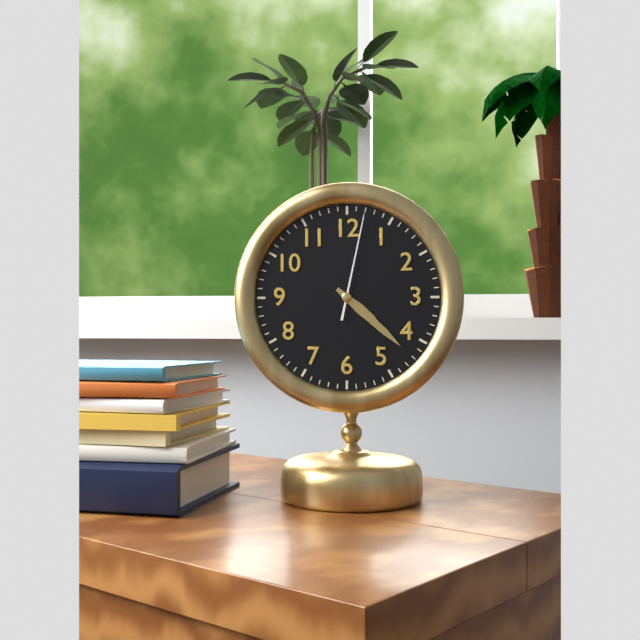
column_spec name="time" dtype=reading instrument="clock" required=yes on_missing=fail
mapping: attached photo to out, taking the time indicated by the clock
4:22:02
